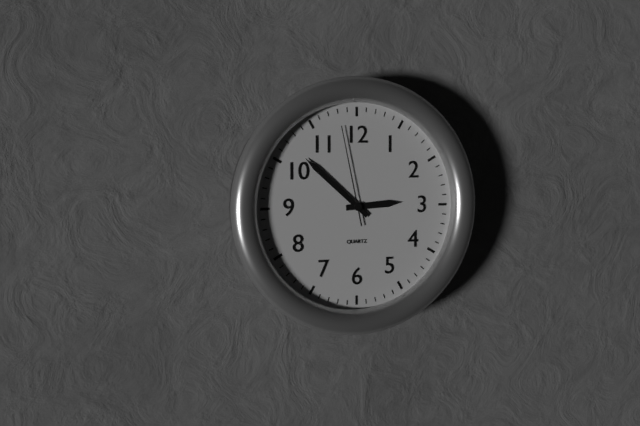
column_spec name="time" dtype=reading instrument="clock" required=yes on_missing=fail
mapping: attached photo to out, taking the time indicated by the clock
2:52:58
